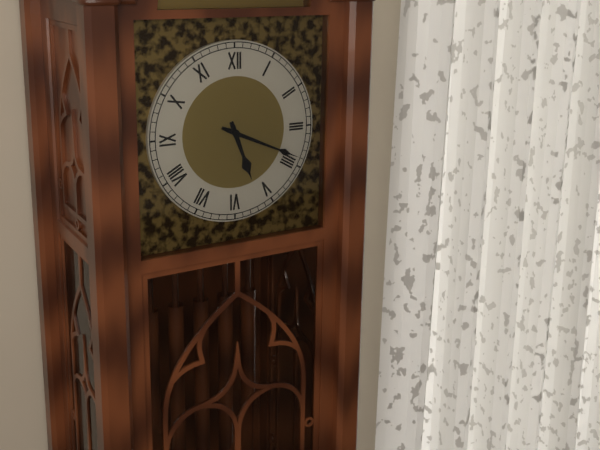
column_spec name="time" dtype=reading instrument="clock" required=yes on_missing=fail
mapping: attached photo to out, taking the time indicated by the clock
5:19
